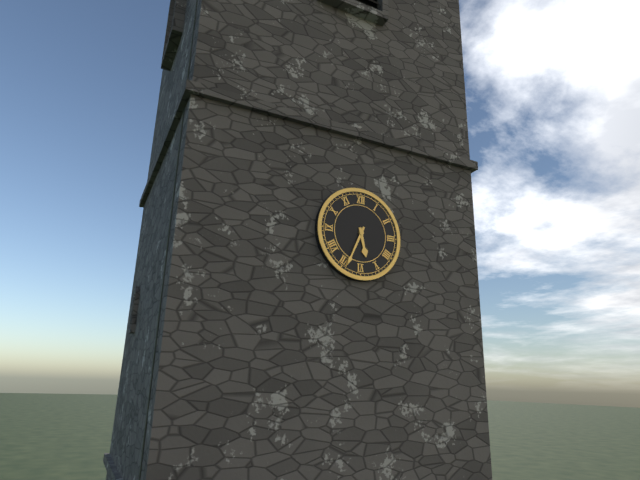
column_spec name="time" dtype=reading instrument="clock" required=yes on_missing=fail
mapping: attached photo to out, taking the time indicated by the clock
5:34
